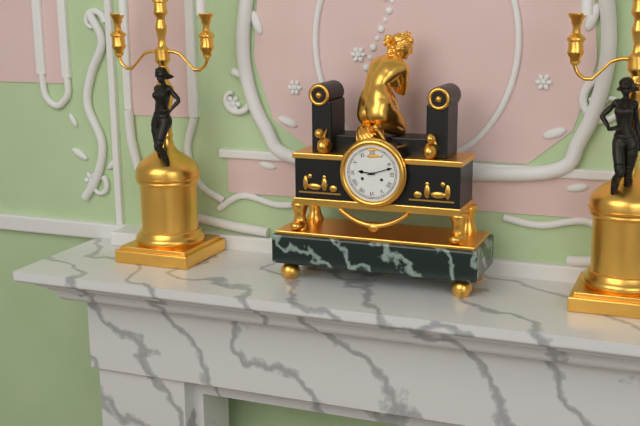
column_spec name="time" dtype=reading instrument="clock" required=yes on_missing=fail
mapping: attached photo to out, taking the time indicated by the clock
9:12
